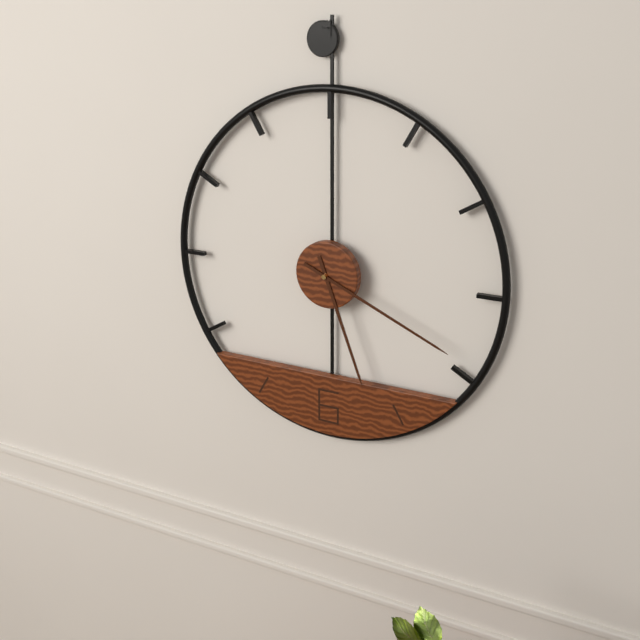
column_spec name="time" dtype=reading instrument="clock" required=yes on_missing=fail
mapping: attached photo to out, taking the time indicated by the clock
5:19
